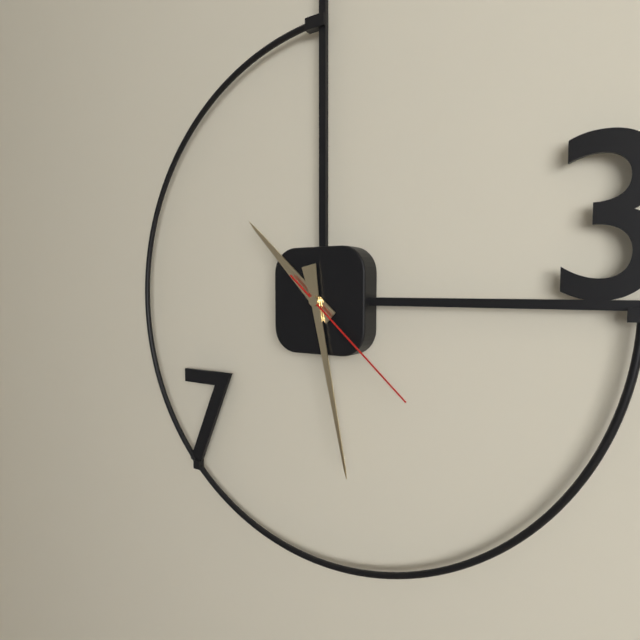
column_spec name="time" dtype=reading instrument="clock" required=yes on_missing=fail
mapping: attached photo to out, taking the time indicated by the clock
10:28:22
